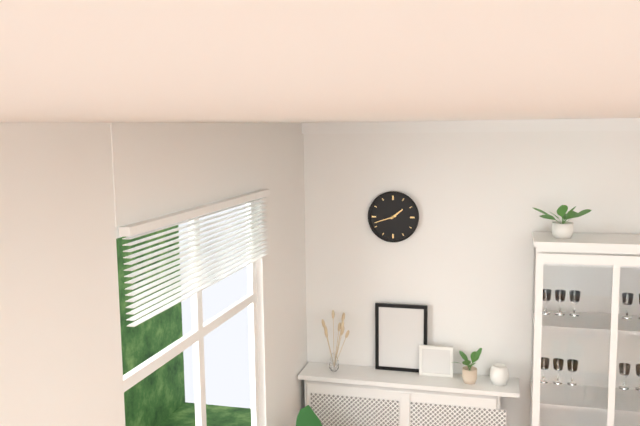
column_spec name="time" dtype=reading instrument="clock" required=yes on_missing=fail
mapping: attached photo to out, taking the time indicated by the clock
1:42
